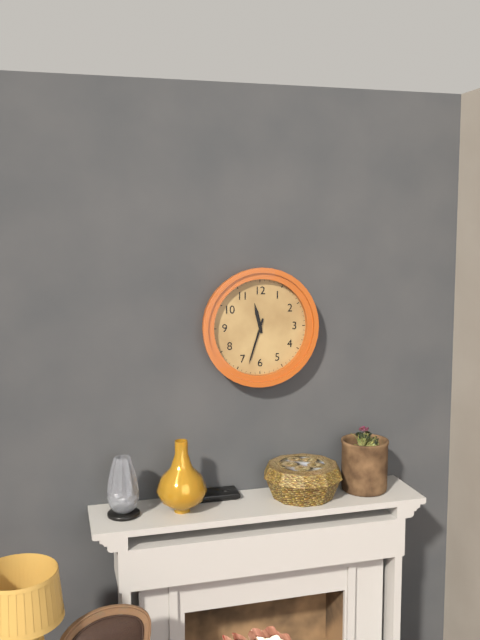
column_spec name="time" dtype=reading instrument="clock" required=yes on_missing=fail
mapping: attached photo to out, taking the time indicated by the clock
11:33
